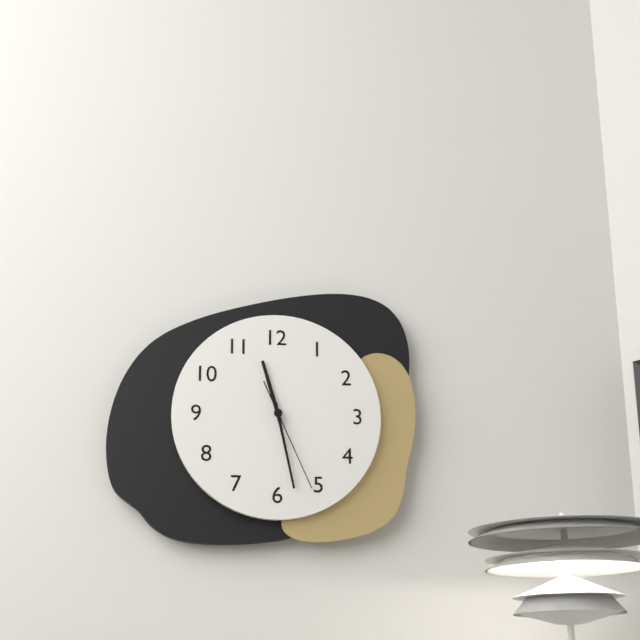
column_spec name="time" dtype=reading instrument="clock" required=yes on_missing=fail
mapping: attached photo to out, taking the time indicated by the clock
11:28:26
